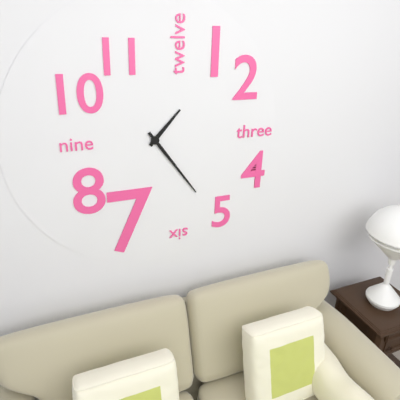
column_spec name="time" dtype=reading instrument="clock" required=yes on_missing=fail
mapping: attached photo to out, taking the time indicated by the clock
1:24
